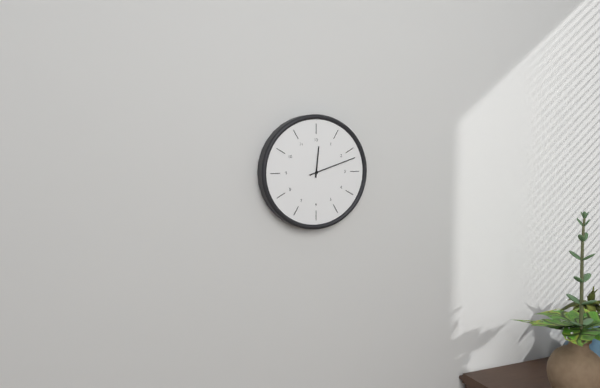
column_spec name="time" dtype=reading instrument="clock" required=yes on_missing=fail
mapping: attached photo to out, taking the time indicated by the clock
12:12
